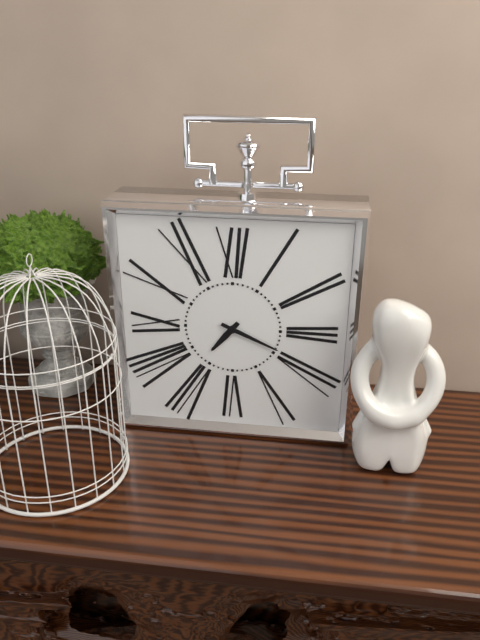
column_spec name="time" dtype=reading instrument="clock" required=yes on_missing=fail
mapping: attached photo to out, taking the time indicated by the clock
7:19
